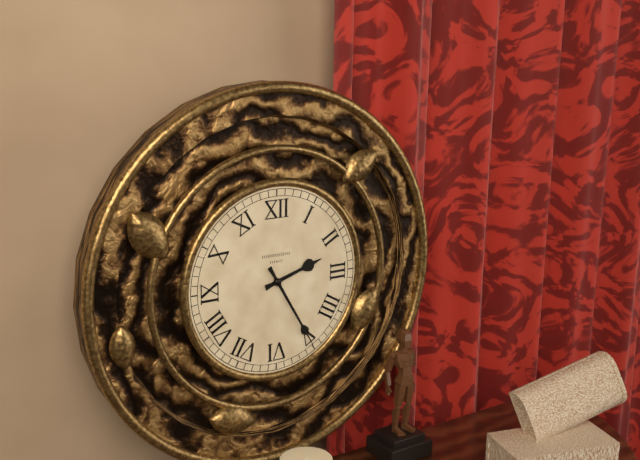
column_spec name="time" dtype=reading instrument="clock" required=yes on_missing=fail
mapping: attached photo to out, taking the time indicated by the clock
2:25
